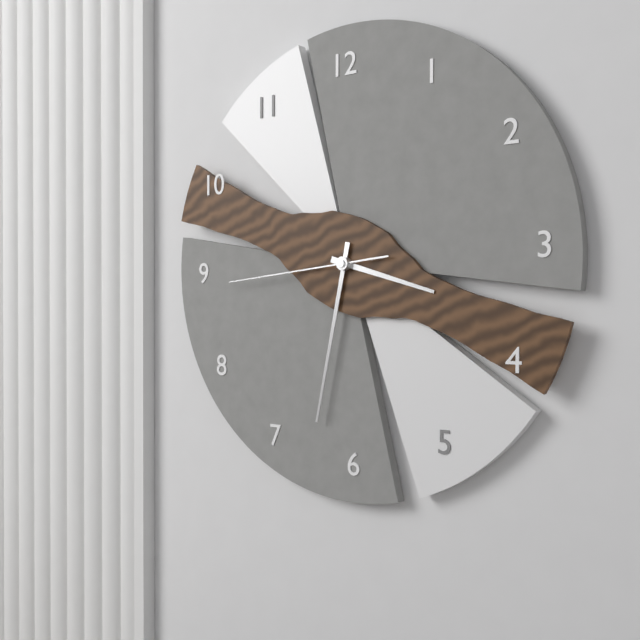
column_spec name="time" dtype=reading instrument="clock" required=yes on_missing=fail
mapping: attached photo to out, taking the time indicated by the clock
3:32:44
